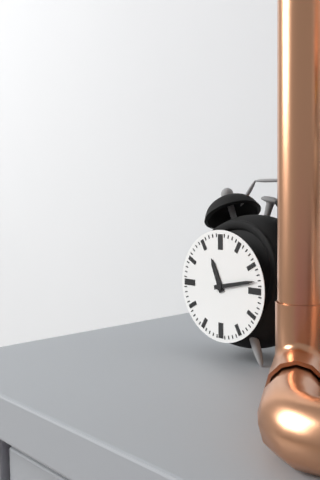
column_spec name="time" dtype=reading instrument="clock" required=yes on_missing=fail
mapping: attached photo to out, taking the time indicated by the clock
11:13
